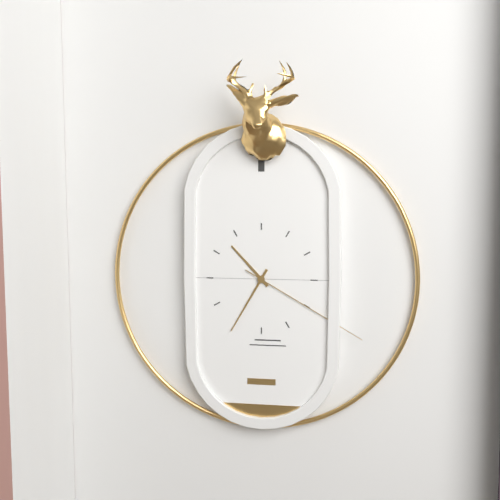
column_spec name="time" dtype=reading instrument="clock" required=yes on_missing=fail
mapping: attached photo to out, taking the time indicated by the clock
10:35:20
